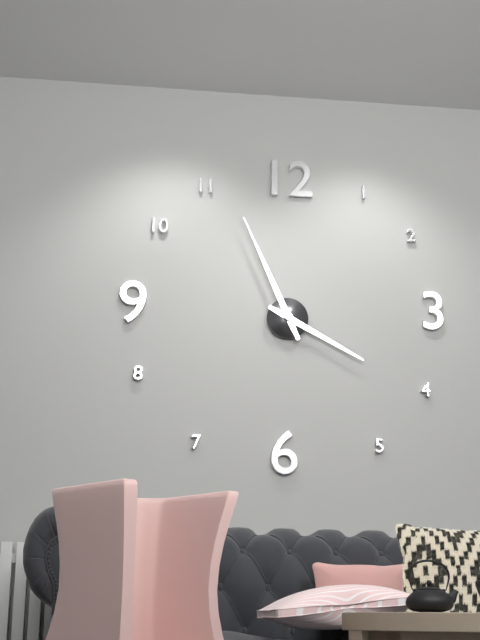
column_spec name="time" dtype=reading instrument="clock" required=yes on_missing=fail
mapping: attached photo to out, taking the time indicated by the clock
3:56
